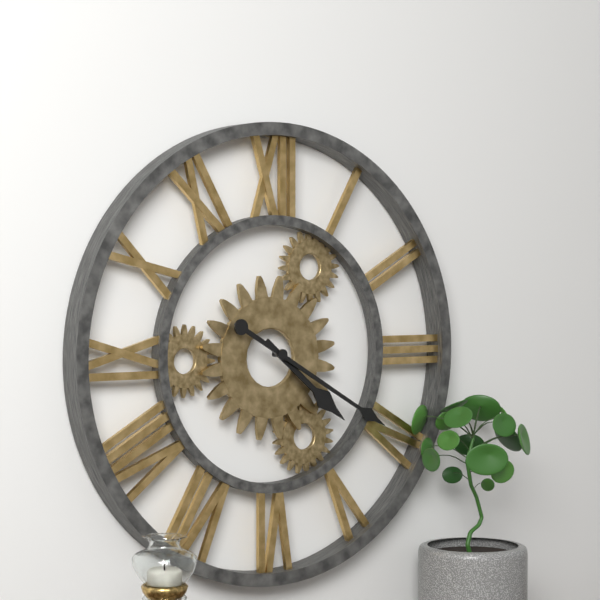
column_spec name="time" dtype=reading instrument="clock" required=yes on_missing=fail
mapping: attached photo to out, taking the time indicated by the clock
4:20
